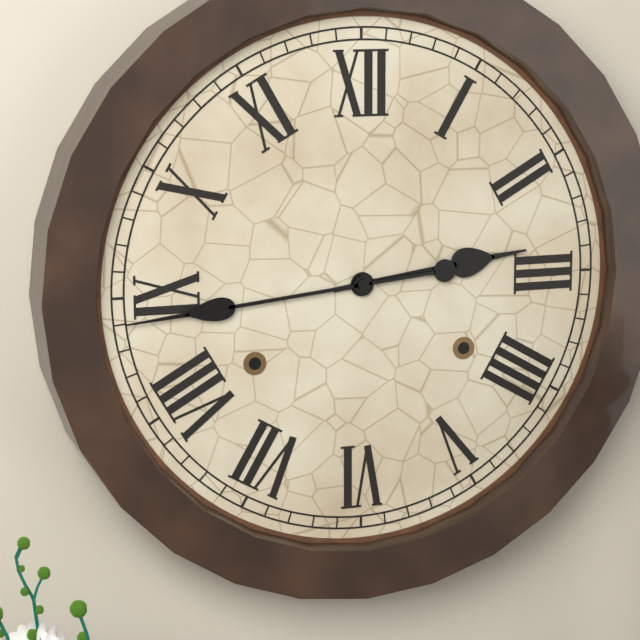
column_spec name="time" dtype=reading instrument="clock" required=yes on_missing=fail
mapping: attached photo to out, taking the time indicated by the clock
2:44
